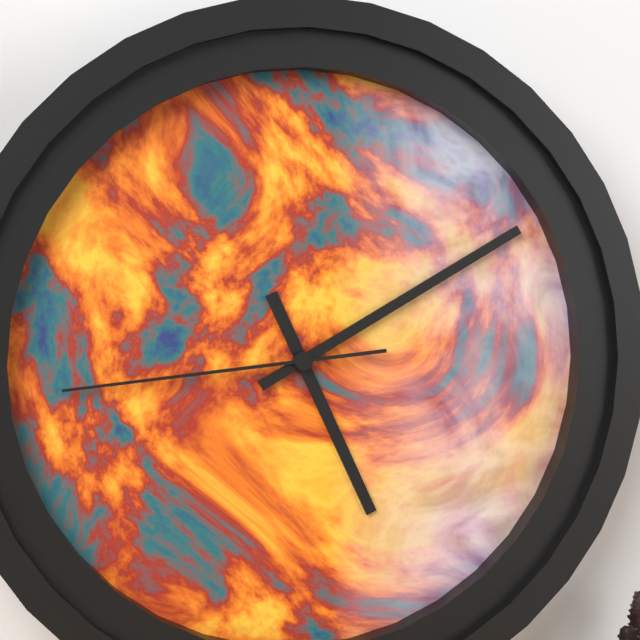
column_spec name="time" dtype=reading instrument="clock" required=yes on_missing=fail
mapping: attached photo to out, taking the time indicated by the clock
5:10:44
